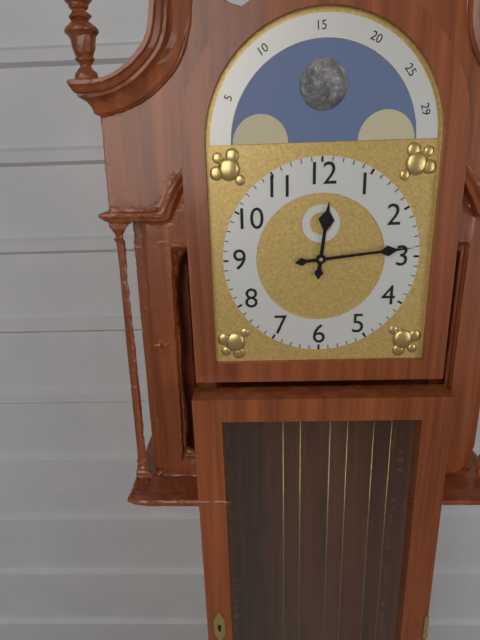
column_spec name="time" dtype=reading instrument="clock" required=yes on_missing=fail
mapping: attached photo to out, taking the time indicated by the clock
12:14
